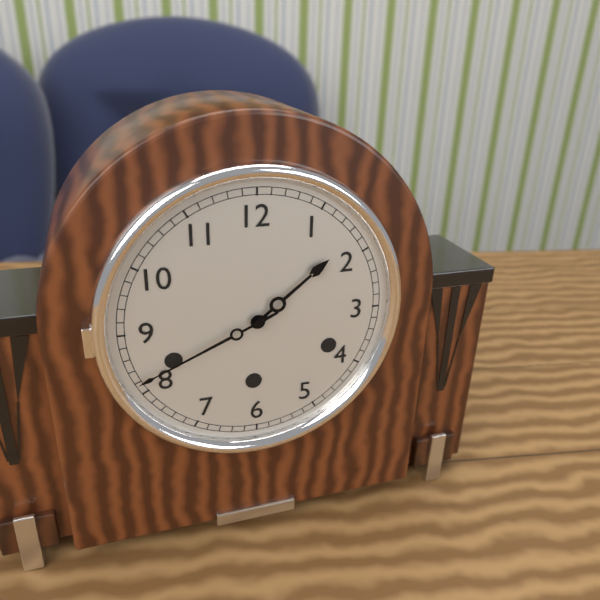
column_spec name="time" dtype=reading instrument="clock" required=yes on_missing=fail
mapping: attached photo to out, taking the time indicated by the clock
1:41
